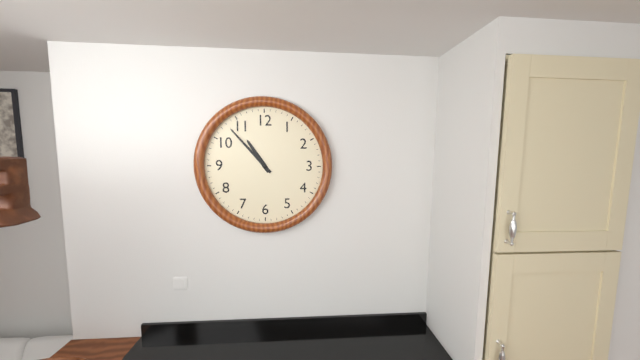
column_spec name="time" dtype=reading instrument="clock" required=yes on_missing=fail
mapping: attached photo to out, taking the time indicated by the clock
10:53
